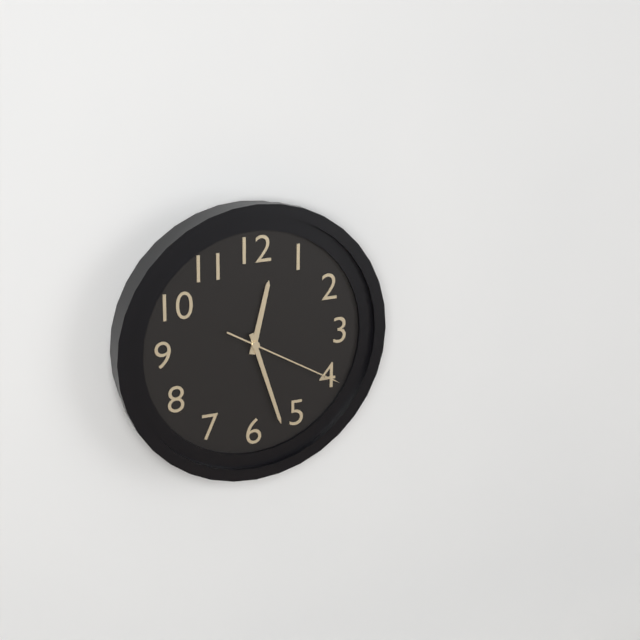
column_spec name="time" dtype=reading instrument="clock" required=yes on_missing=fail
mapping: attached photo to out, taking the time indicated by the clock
12:27:20
